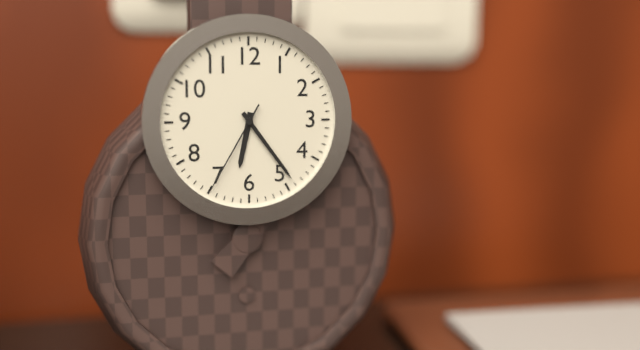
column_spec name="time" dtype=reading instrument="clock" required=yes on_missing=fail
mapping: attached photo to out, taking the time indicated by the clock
6:24:35
